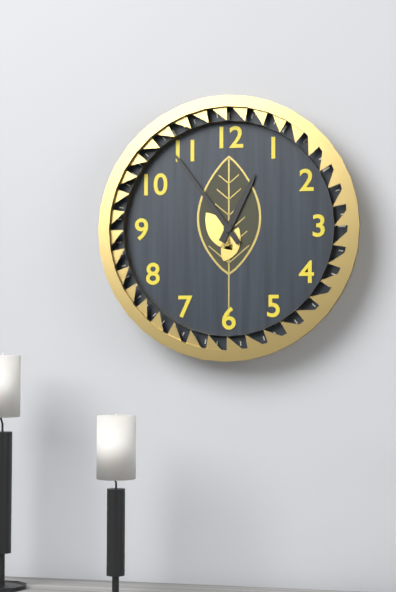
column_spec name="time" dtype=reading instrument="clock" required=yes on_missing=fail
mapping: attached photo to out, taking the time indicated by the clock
12:54
